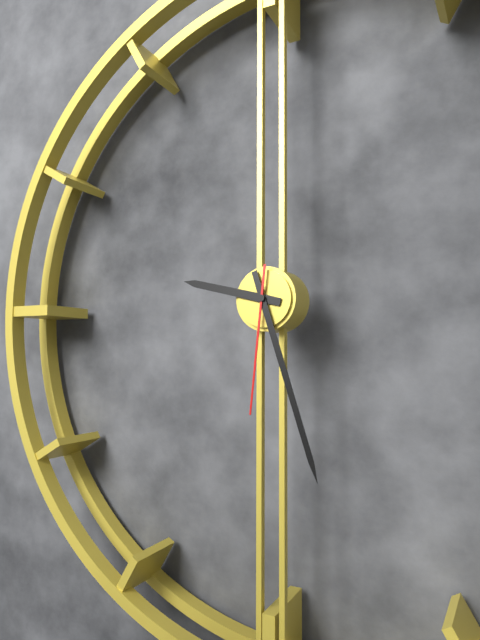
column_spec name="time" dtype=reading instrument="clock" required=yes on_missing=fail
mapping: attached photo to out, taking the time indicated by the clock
9:27:31
